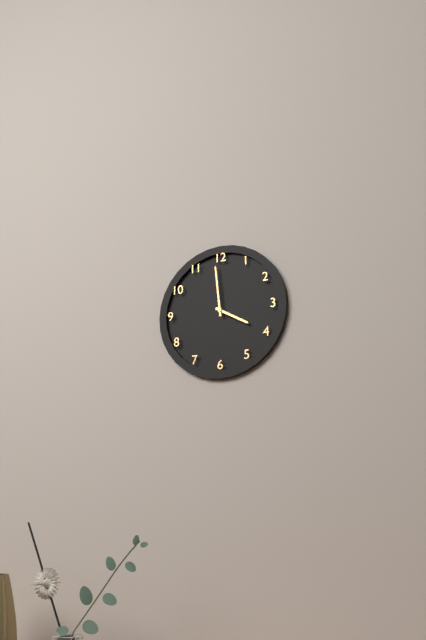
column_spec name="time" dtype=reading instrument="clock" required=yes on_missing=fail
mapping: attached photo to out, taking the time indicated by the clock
3:59
